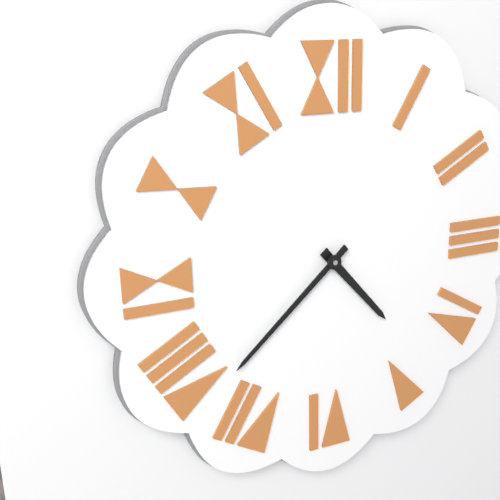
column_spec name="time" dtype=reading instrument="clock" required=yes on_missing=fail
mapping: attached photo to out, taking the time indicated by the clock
4:38
